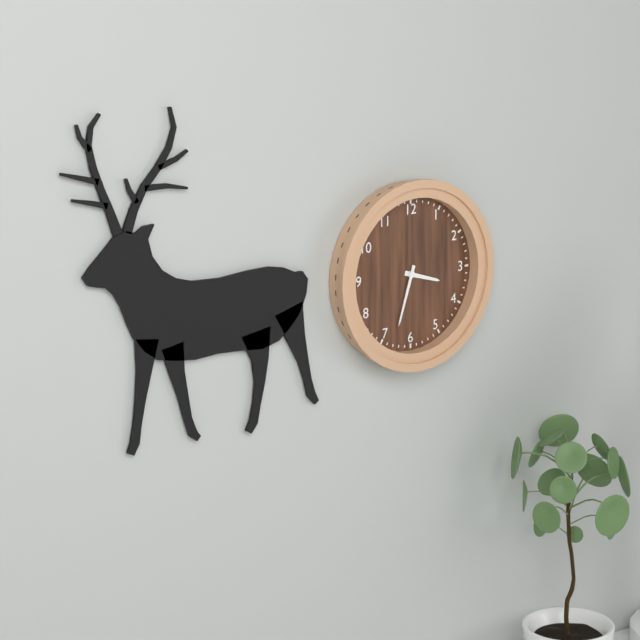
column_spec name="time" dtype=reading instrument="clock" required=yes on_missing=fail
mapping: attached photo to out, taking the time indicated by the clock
3:33
